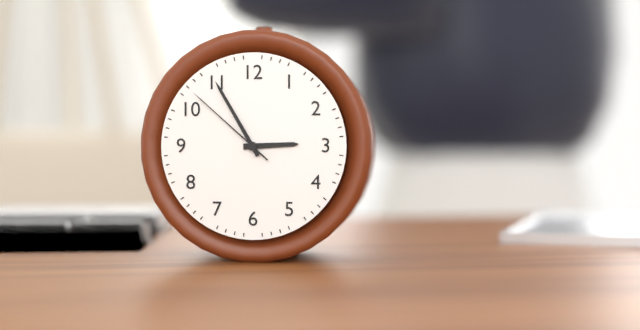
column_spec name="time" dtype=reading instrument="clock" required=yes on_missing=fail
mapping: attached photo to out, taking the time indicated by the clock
2:55:52
